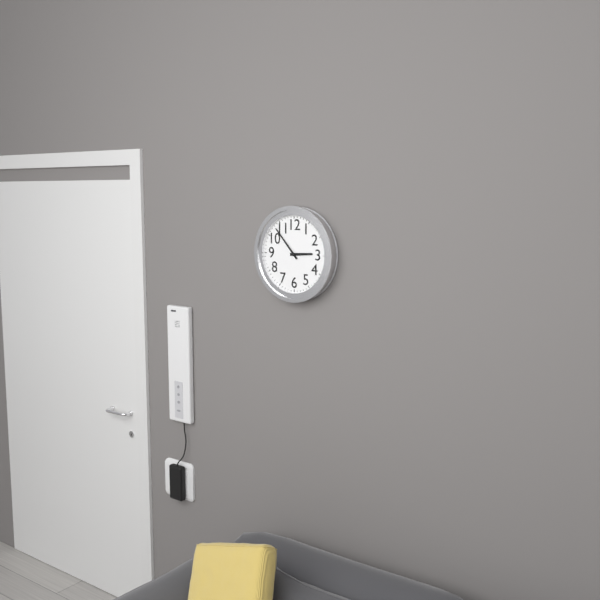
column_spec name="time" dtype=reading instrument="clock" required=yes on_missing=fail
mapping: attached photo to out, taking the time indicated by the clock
2:53
